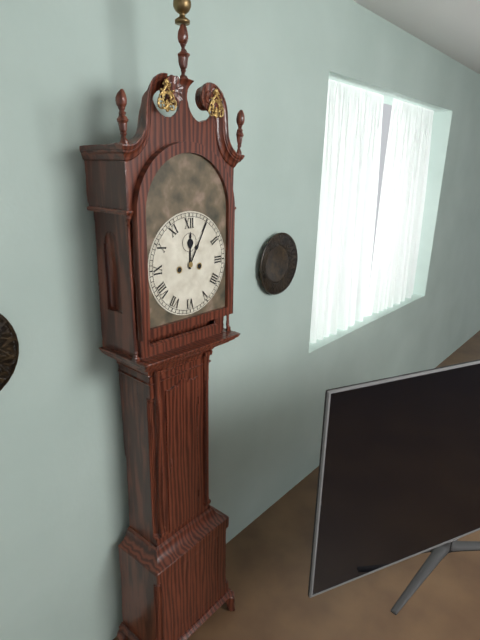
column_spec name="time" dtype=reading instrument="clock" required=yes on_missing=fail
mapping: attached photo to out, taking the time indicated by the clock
12:05
